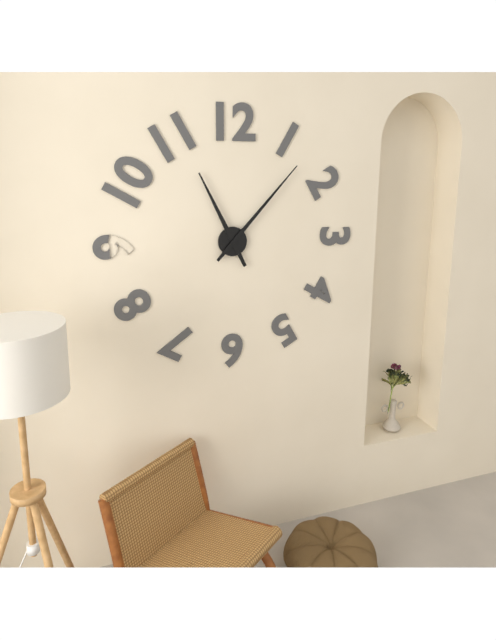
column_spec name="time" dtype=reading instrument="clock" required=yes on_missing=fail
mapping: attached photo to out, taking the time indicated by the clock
11:07
